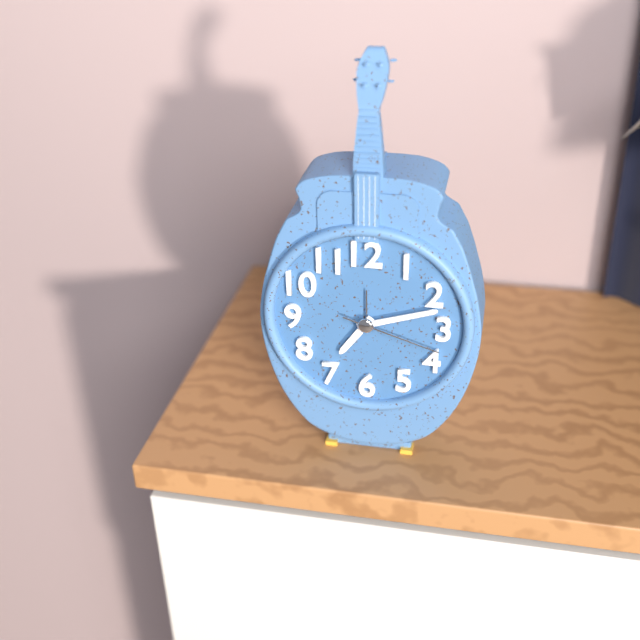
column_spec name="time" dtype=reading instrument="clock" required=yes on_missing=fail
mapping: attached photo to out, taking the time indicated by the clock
7:12:18
